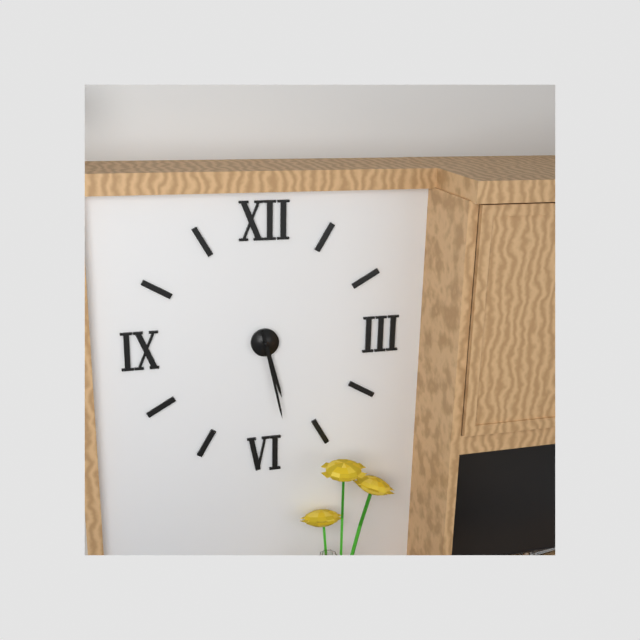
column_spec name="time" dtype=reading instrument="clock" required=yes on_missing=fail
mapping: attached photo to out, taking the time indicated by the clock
5:28
